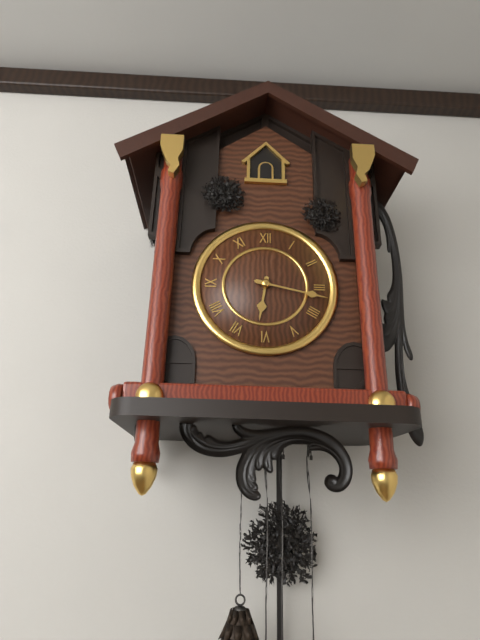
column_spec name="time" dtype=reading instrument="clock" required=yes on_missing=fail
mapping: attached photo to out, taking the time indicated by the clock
6:17
